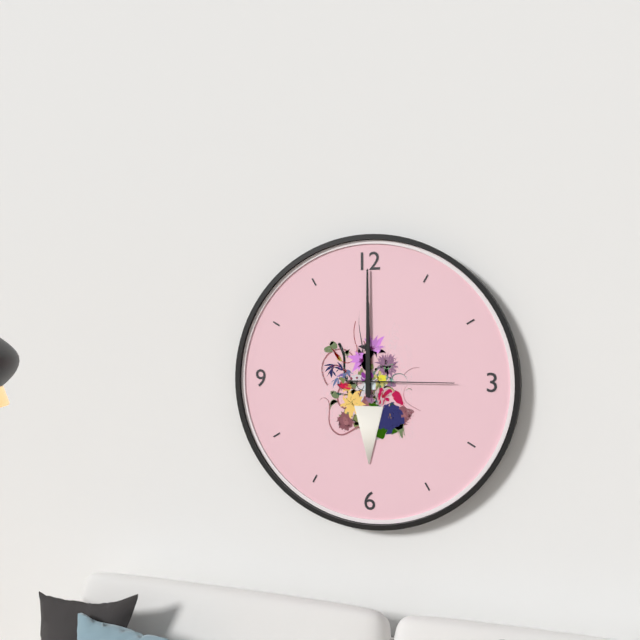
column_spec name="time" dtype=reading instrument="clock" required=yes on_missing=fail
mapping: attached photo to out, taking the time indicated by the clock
12:00:15
